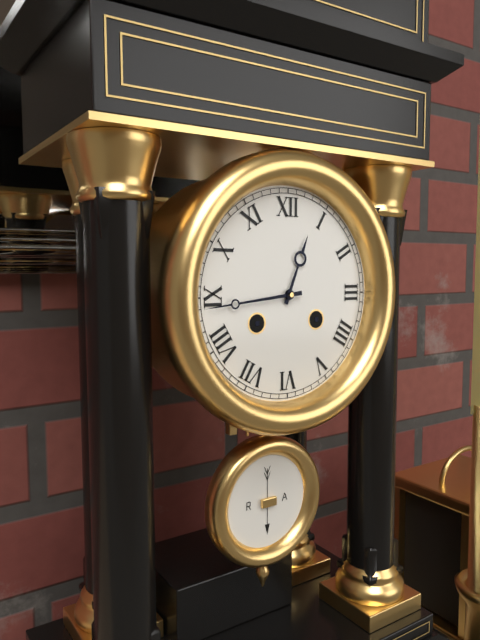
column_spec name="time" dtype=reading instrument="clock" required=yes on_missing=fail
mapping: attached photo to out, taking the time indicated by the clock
12:44
